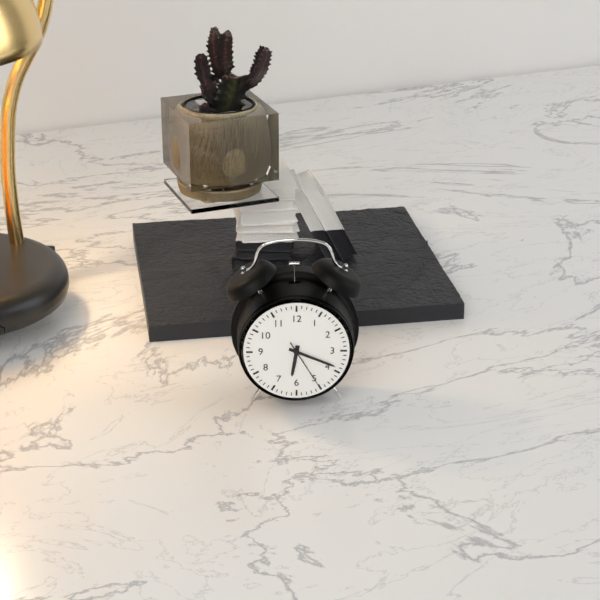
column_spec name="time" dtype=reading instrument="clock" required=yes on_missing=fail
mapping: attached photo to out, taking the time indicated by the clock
6:19:25
